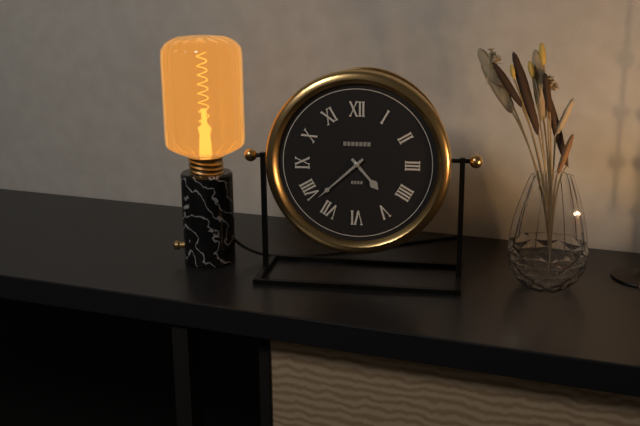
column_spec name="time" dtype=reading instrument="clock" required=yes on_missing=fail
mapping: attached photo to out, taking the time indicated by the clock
4:38
